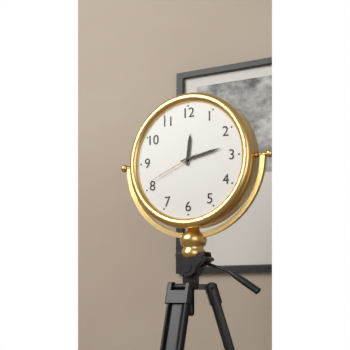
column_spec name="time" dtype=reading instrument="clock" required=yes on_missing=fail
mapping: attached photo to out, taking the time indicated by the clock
12:13:41
